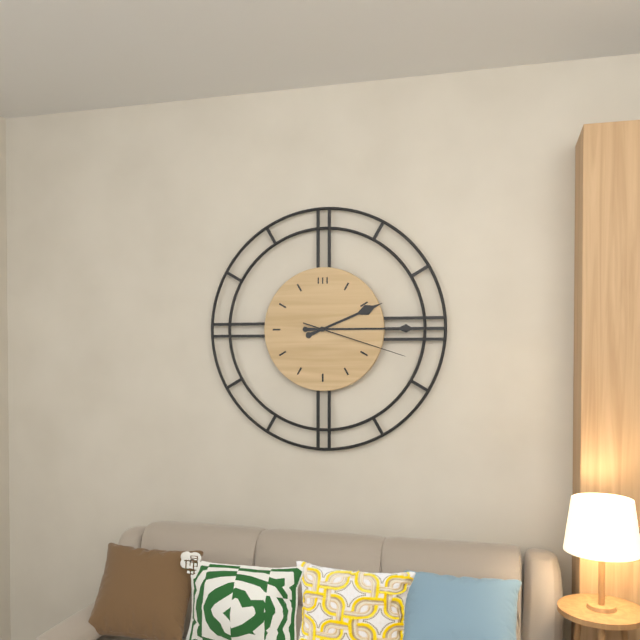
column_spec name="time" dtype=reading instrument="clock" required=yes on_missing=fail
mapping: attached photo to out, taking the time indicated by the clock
2:15:18
